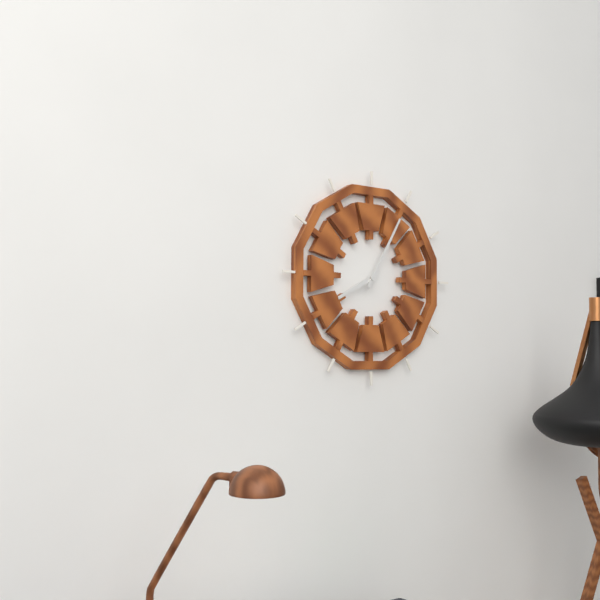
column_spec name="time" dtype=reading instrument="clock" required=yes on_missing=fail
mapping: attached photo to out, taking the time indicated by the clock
8:05
